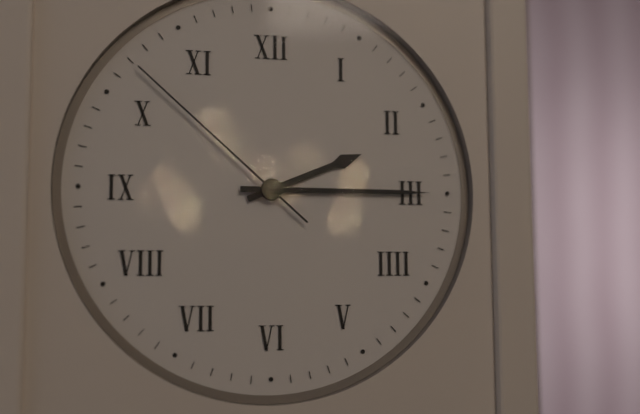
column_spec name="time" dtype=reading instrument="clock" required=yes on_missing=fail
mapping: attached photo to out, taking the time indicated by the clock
2:15:52
